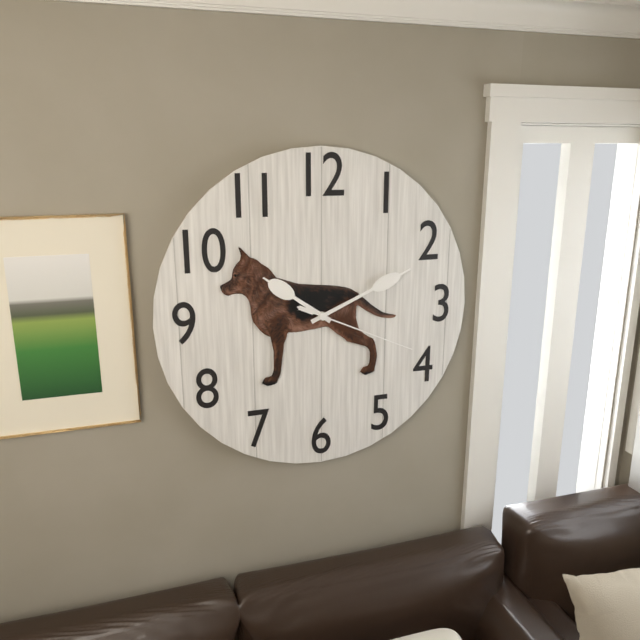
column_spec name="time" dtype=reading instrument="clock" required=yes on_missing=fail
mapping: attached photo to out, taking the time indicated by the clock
10:11:19
